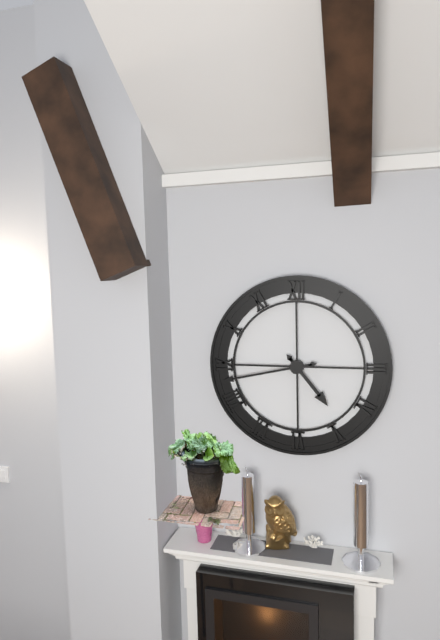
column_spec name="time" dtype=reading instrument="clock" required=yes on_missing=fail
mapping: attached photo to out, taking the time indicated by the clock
4:43
